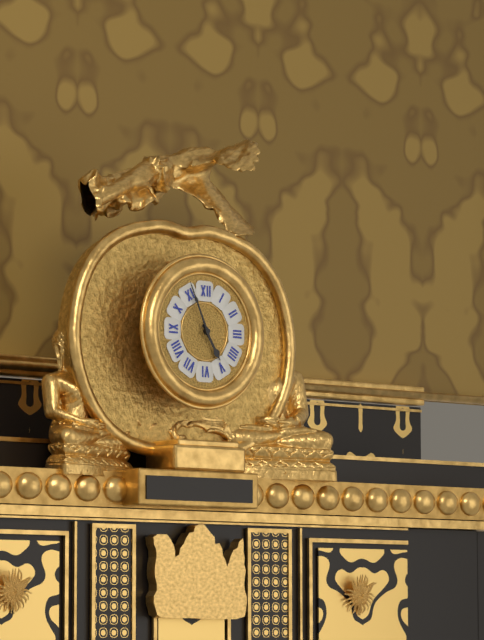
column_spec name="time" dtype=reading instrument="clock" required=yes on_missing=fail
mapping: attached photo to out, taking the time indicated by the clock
4:56
